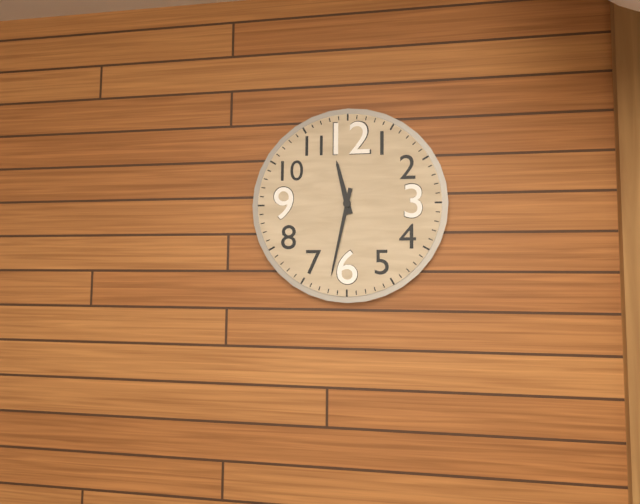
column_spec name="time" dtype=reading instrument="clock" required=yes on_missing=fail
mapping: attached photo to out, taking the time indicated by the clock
11:32
